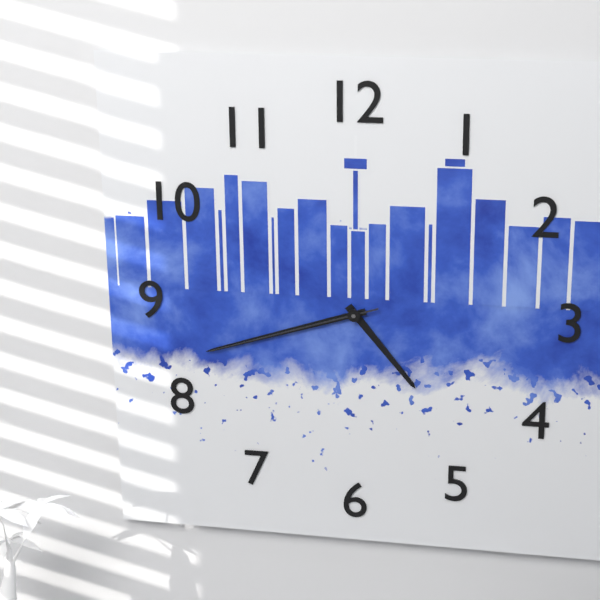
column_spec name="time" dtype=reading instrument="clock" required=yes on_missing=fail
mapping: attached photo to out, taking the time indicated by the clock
4:42:42
